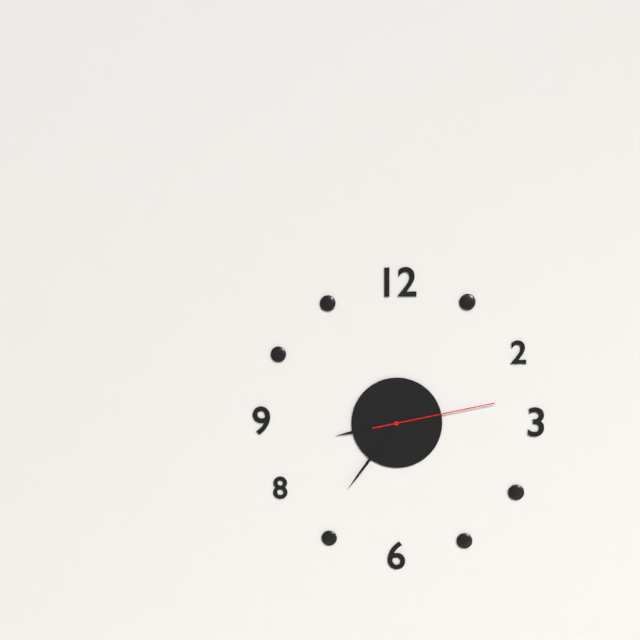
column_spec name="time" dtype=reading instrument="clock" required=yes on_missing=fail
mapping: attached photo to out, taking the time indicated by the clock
8:36:13
